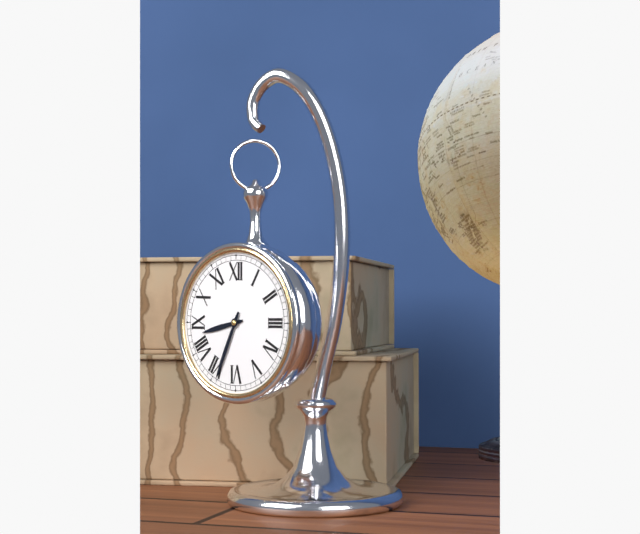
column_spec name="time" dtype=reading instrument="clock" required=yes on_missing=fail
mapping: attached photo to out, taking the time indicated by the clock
8:34
